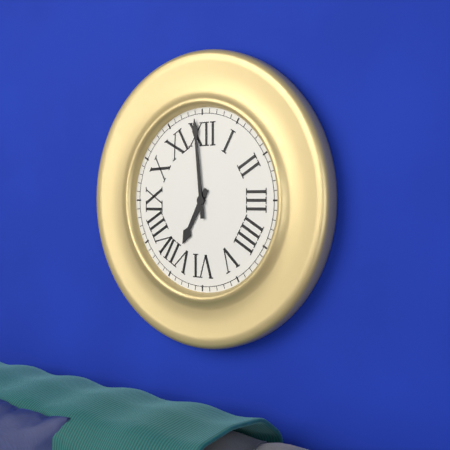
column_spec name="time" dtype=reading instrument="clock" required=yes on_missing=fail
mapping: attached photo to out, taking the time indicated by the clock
6:59
